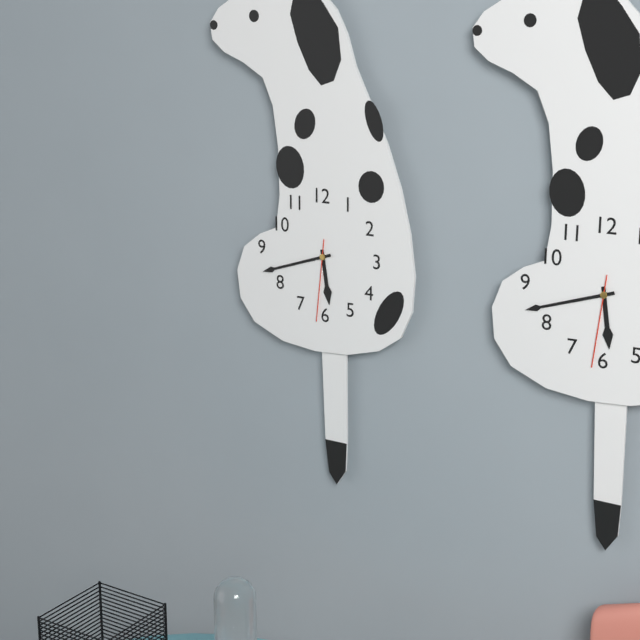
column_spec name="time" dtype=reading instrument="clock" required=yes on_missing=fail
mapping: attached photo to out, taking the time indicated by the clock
5:42:31
